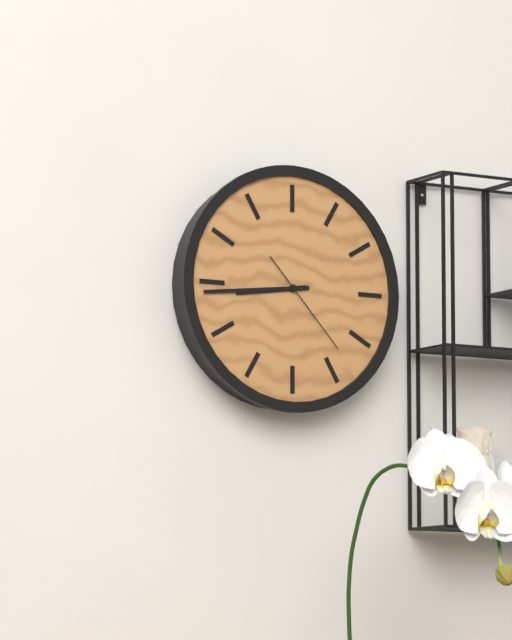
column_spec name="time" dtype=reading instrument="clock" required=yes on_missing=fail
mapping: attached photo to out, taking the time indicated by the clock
8:44:23
